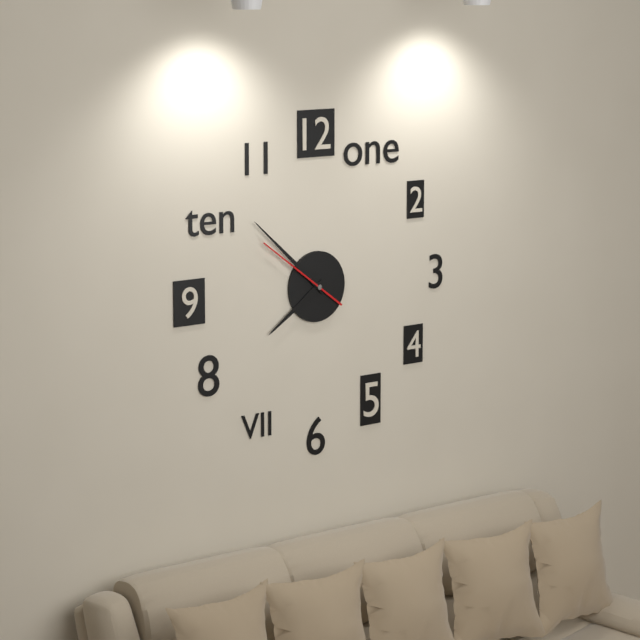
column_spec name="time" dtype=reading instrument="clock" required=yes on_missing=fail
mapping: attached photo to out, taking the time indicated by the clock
7:52:51
